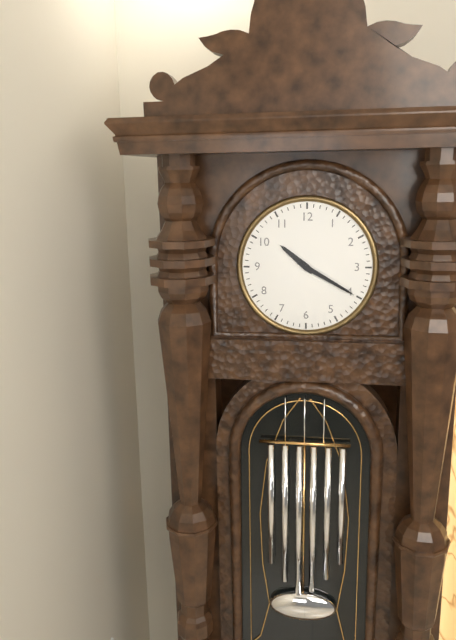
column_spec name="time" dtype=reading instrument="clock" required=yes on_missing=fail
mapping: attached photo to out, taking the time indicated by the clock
10:20
